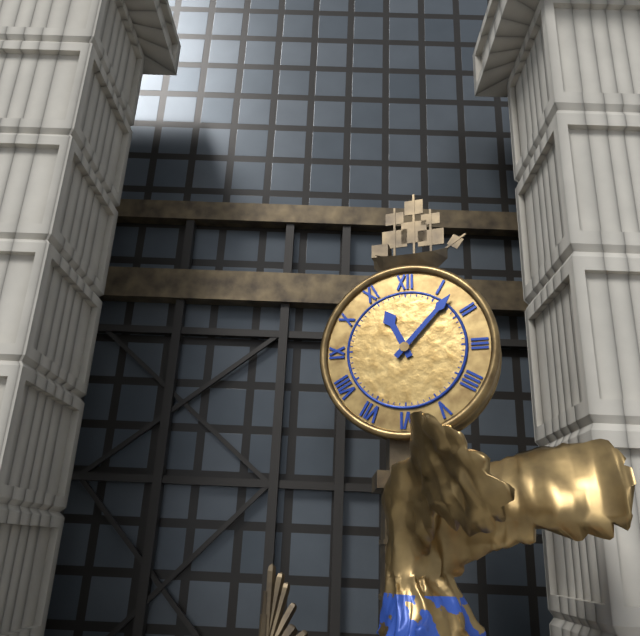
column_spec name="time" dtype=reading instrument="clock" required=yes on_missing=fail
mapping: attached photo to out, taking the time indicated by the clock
11:07
